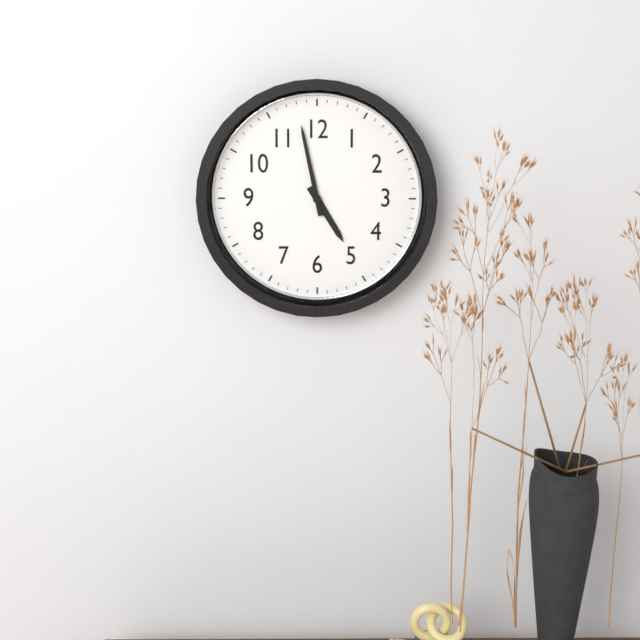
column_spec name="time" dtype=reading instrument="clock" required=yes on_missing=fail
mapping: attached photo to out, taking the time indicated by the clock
4:58
